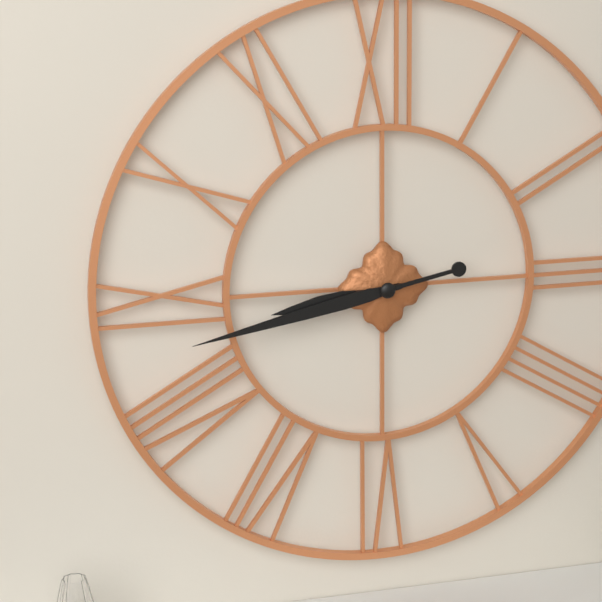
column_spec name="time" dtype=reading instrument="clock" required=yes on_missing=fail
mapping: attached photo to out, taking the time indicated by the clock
8:43
